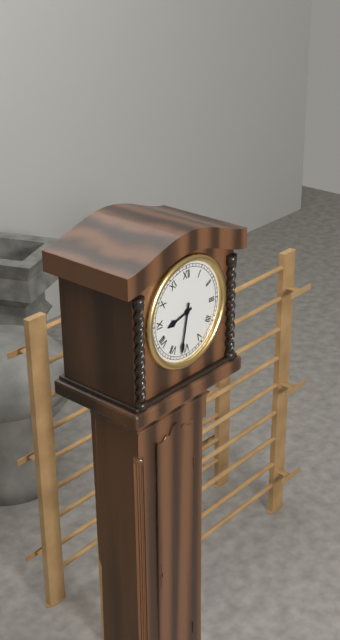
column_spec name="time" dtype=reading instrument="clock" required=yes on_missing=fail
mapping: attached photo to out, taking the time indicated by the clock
8:32
